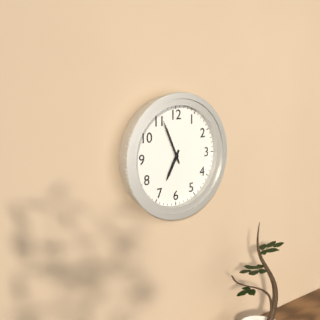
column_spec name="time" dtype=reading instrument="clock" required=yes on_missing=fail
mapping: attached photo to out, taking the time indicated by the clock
6:56
